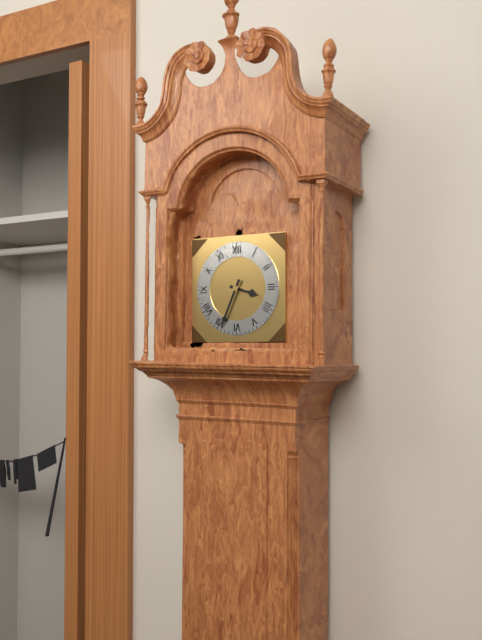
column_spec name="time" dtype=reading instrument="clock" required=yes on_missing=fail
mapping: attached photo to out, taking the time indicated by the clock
3:34
